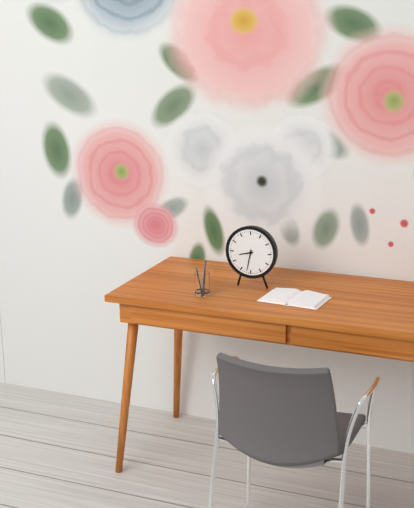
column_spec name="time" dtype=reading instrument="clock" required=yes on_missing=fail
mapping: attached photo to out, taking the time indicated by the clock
8:32
